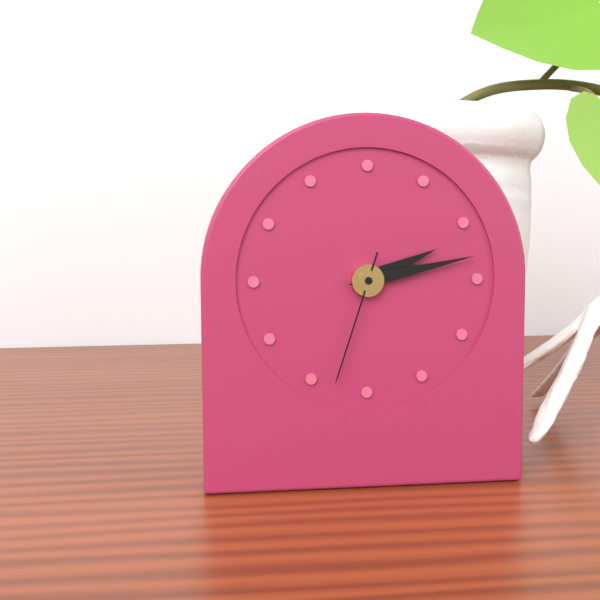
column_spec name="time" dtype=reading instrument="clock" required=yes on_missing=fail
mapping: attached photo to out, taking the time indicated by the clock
2:13:33
